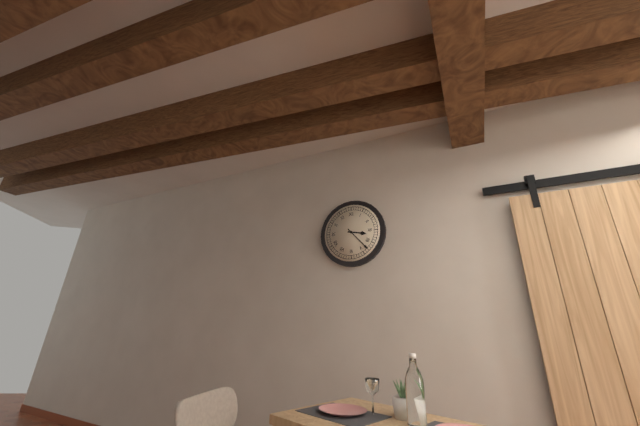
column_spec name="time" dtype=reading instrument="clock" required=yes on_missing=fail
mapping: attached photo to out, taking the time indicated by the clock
3:23
